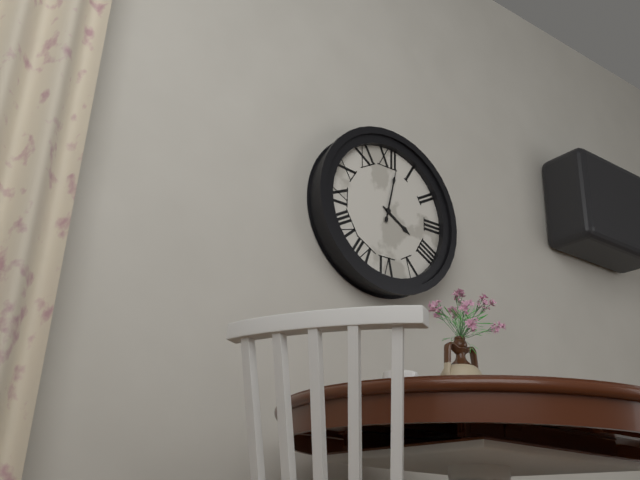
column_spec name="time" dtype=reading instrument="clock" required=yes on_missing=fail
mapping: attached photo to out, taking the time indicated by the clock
4:02
